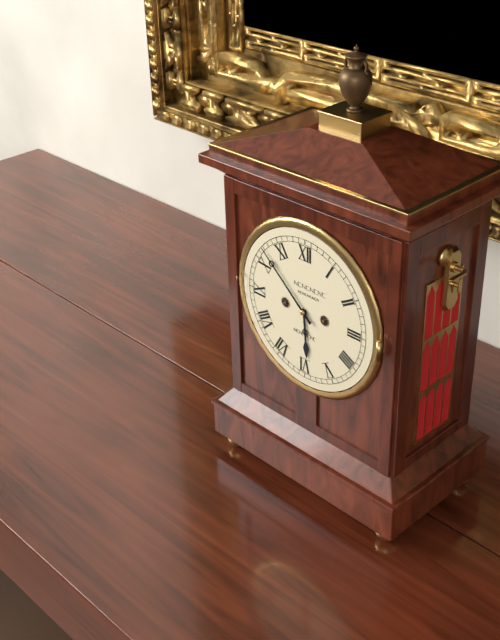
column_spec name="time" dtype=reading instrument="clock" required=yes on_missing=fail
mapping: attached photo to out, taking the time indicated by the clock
5:52
